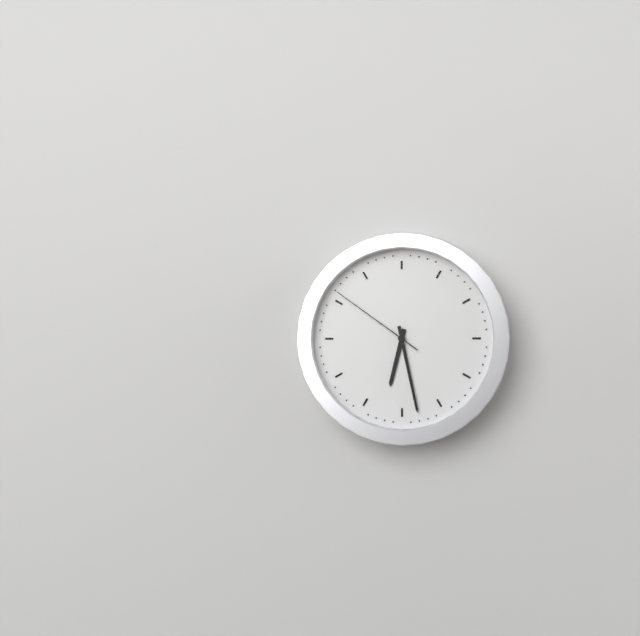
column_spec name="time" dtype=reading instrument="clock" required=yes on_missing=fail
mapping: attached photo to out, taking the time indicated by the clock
6:28:51
